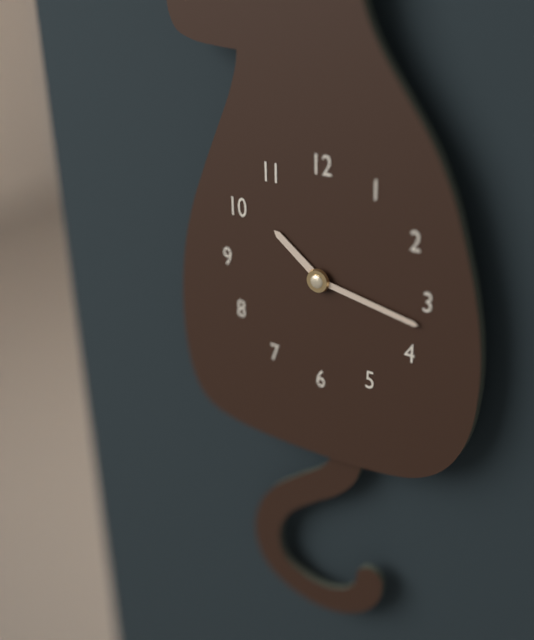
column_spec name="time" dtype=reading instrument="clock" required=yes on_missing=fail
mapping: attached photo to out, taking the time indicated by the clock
10:17
